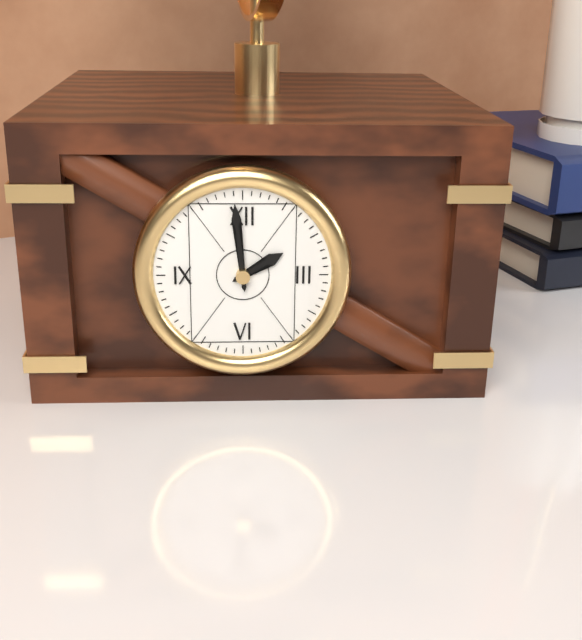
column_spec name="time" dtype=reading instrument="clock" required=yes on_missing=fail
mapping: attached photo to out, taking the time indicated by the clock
1:59
